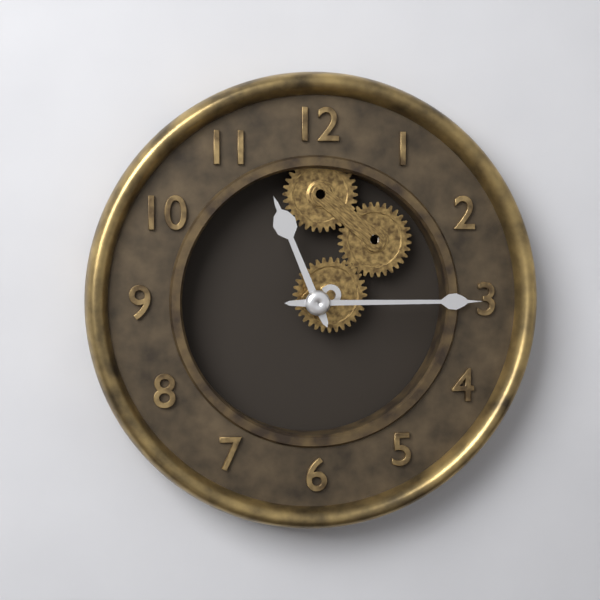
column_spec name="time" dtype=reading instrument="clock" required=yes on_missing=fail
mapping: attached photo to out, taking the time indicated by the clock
11:15
